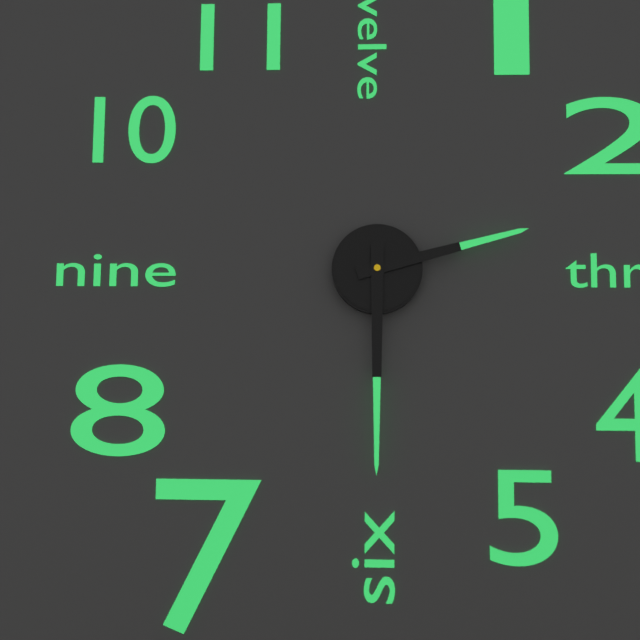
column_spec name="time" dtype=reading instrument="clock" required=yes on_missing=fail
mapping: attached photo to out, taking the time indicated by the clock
2:30
